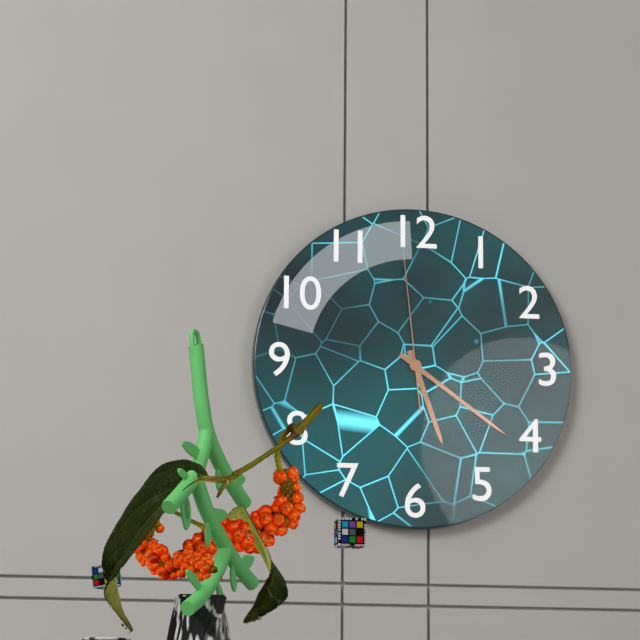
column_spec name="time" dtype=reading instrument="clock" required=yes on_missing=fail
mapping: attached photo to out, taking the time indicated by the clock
5:21:59
